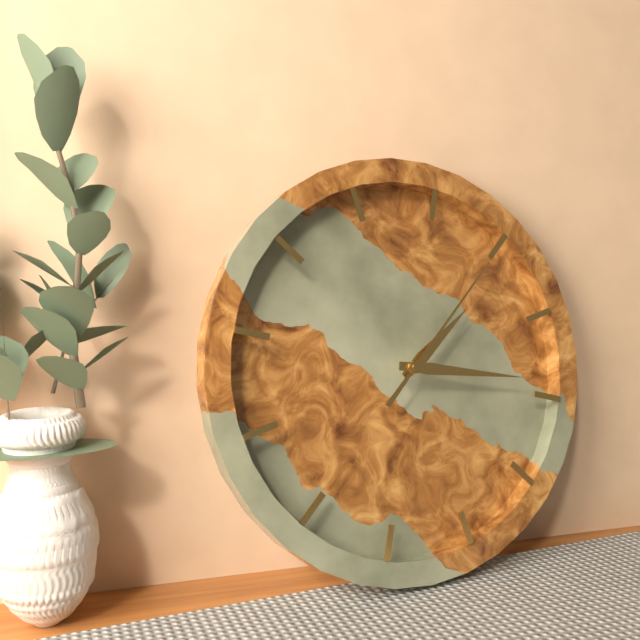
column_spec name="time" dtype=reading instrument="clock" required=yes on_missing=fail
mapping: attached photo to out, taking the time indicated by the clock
1:14:05
